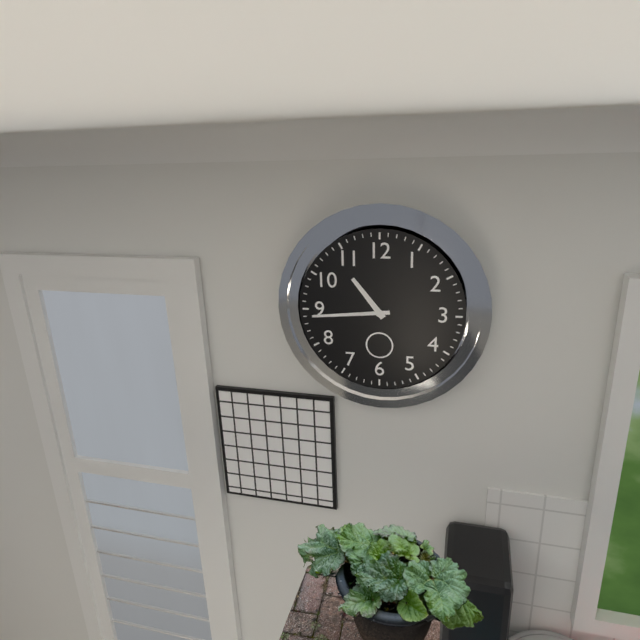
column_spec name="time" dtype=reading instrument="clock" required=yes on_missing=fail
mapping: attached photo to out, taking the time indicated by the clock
10:44
